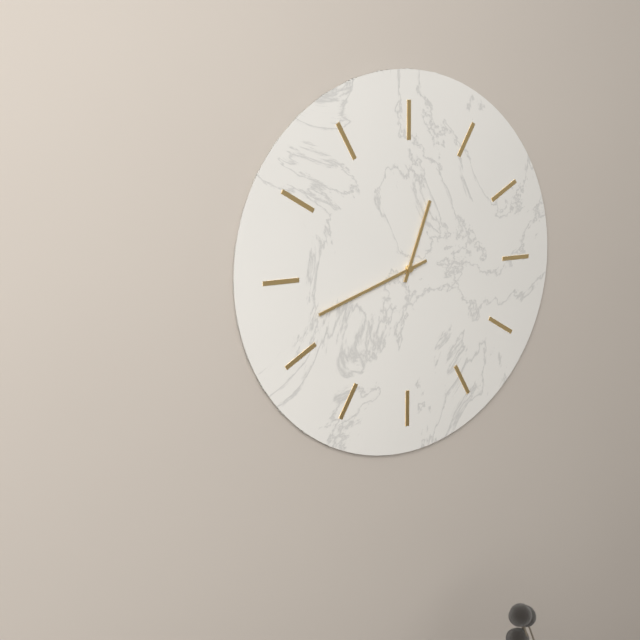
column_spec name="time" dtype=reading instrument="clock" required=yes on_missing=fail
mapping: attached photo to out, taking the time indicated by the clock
12:42
